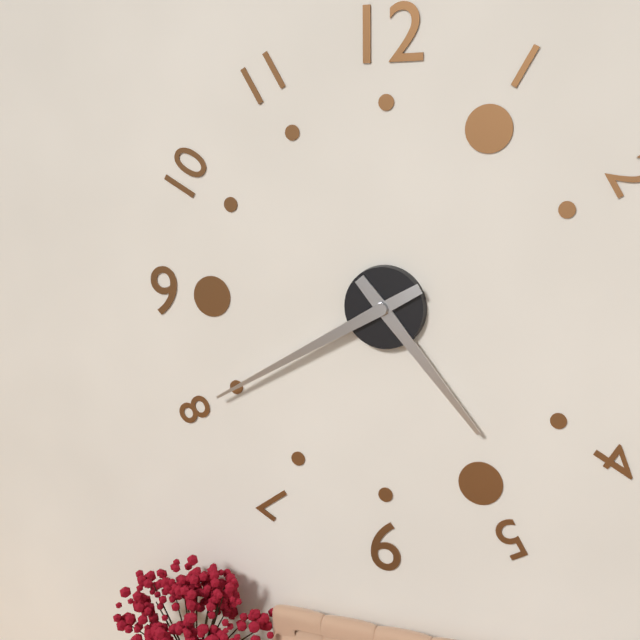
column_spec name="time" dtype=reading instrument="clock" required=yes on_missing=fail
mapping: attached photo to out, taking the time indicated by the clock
4:40
